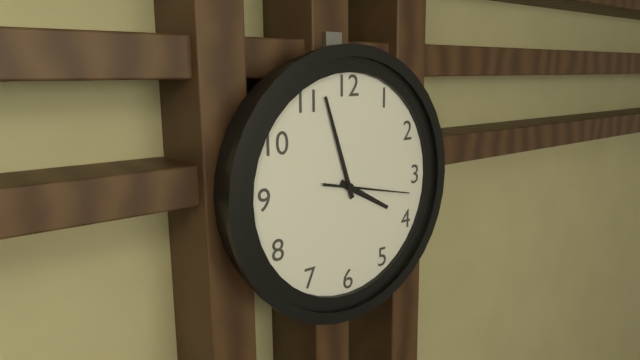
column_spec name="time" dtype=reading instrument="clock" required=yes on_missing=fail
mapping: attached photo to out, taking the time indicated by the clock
3:57:17
